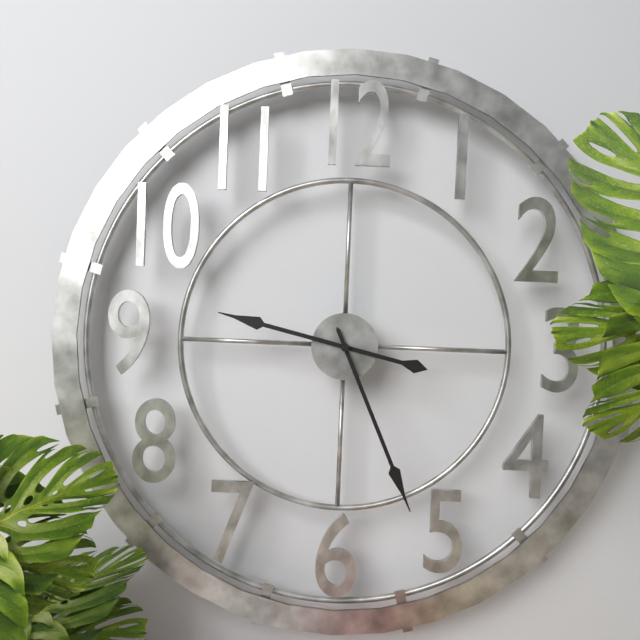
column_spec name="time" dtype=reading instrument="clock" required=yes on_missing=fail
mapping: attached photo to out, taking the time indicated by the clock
9:26
